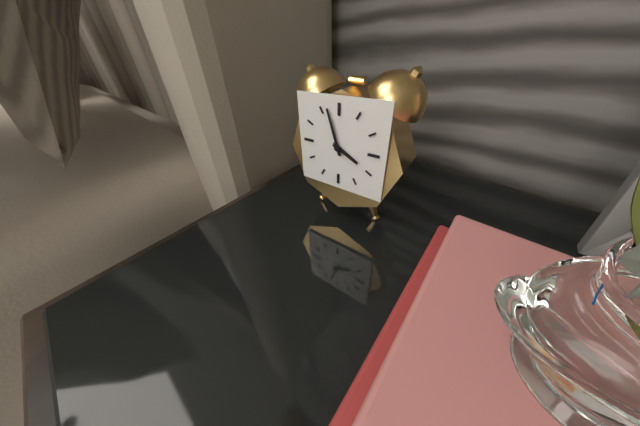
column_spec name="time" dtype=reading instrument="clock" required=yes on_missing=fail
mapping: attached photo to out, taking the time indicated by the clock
3:57
